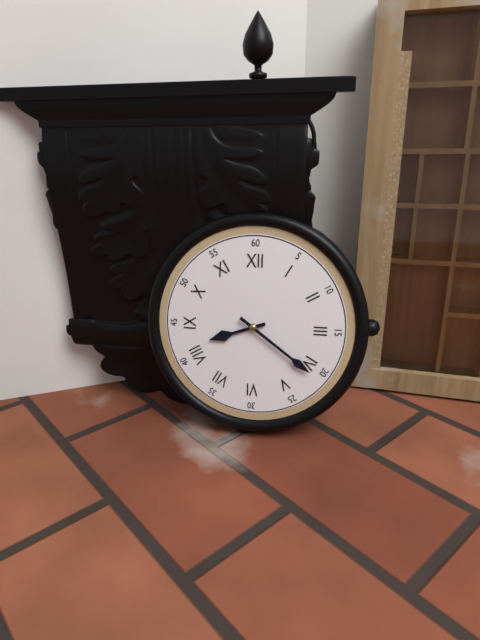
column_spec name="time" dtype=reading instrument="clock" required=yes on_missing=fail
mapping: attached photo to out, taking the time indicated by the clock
8:21
